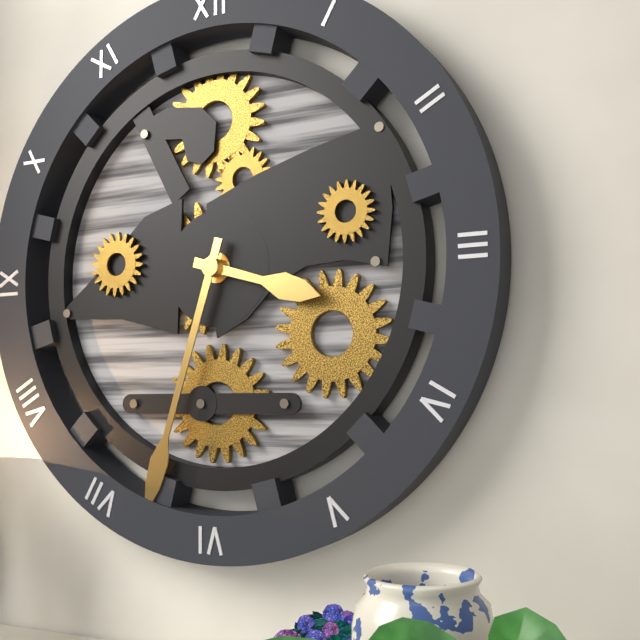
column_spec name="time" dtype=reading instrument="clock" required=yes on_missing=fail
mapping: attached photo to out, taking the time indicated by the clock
3:33
